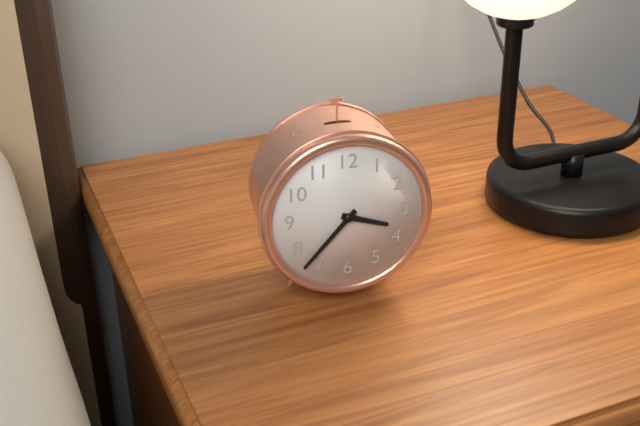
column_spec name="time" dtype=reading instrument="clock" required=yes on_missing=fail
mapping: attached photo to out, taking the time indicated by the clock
3:37
